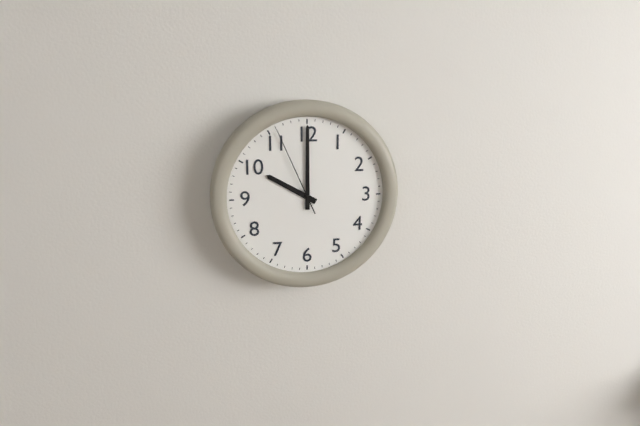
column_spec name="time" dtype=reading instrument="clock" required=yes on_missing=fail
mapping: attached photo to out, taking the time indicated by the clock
10:00:56
